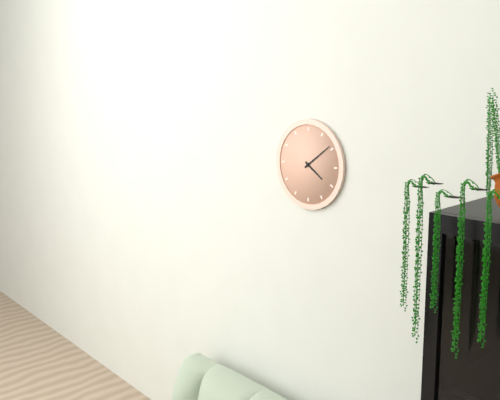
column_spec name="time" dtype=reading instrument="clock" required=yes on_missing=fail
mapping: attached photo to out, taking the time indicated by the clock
4:09
